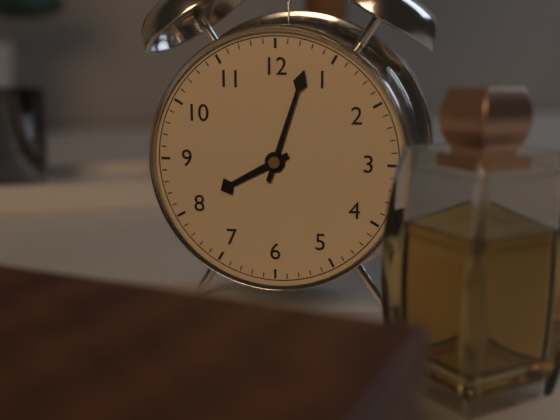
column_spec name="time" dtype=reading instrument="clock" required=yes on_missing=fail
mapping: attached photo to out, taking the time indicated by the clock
8:03
